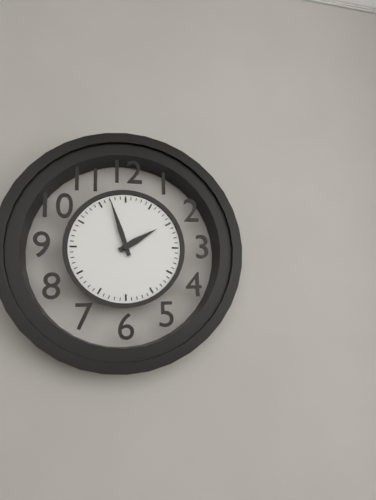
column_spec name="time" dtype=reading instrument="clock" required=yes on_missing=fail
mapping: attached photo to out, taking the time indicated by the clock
1:57
